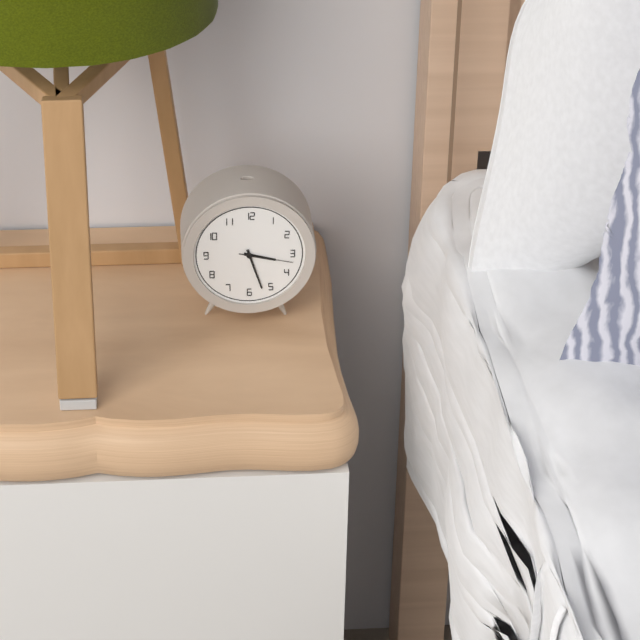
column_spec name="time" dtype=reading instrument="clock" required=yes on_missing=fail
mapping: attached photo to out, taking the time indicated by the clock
3:27:17
